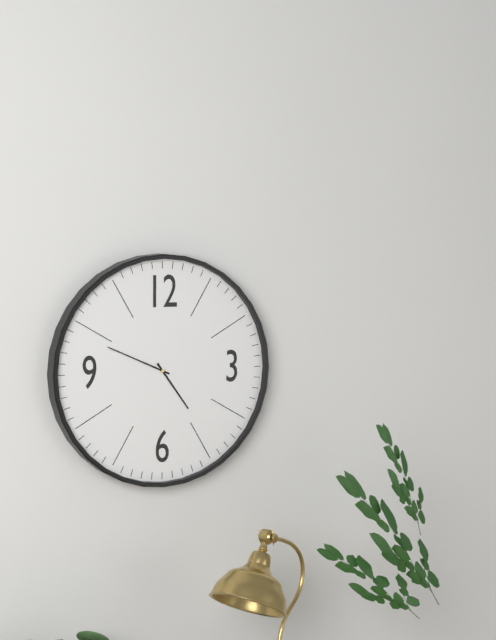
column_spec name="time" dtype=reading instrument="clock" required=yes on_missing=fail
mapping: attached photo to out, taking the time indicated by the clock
4:49
